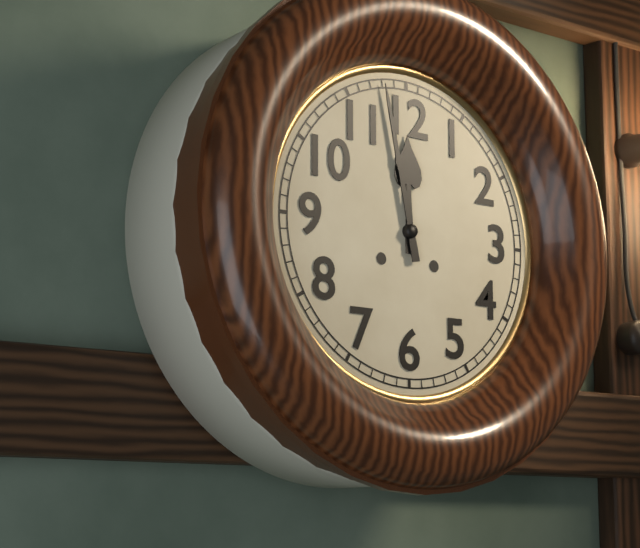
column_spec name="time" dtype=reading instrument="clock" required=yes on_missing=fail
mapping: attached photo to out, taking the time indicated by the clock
11:58
